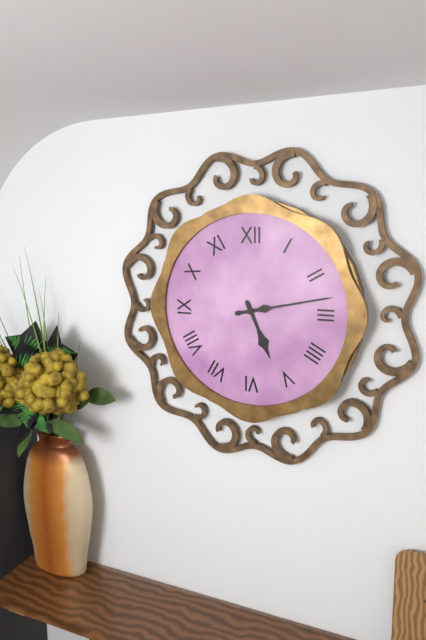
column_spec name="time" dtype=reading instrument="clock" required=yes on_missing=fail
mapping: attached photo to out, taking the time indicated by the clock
5:13
